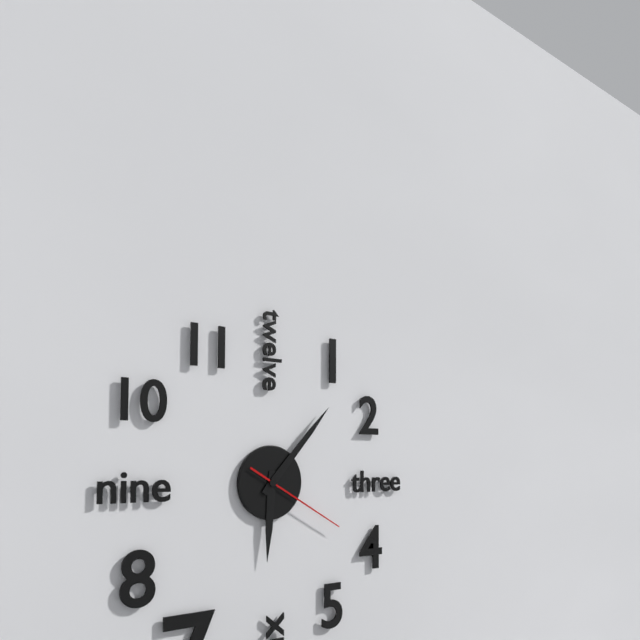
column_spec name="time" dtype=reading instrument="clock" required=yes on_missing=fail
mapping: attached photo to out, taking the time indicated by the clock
6:07:20
